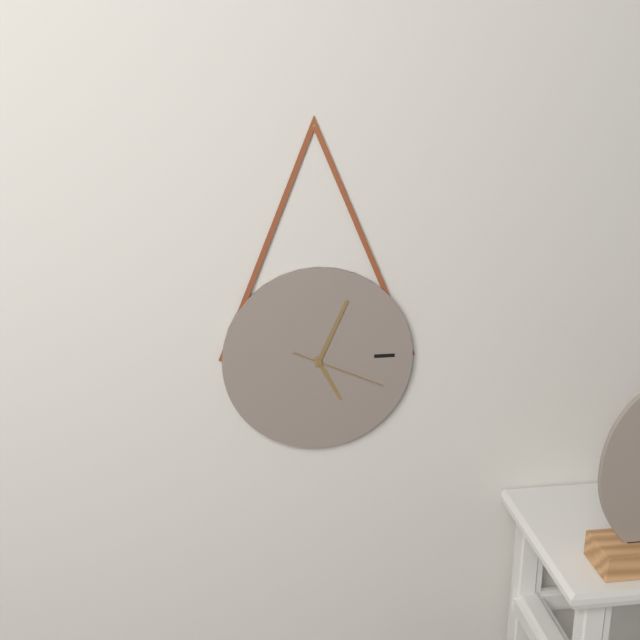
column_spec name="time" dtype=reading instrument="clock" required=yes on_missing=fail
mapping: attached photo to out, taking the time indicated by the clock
5:04:19
